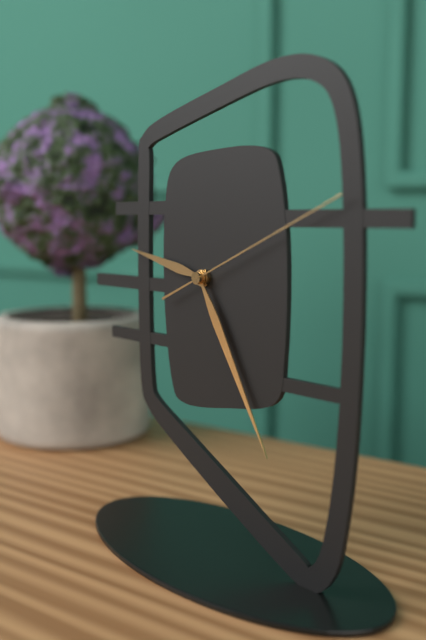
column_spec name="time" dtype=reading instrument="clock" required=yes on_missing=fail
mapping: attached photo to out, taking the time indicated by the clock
9:25:11
